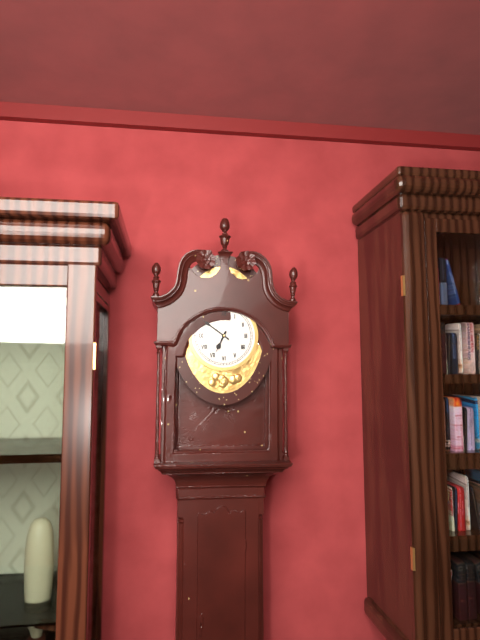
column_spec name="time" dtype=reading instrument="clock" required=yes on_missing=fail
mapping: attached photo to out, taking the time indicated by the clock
6:51
